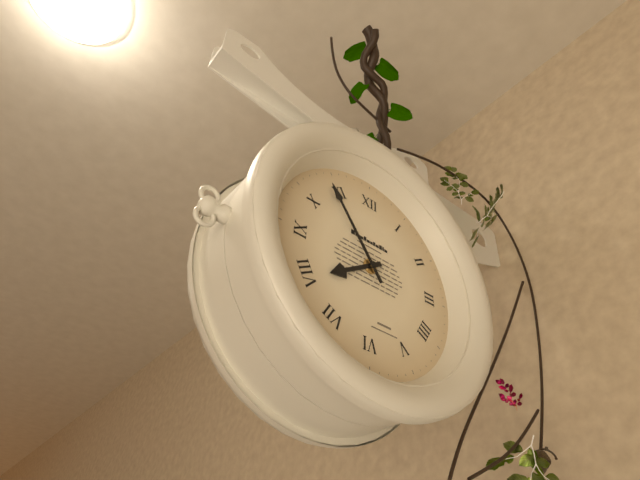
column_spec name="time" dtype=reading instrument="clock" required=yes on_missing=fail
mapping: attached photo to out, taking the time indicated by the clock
7:54
